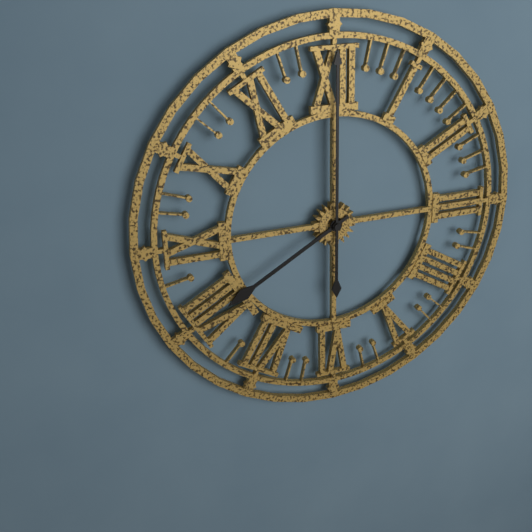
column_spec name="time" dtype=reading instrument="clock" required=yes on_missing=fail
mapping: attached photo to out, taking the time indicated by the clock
8:00
